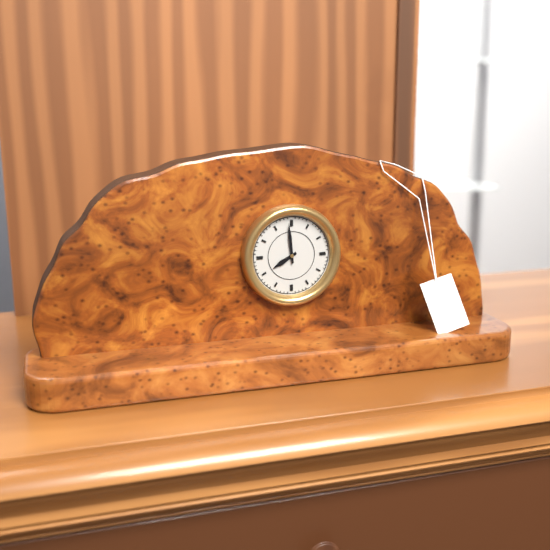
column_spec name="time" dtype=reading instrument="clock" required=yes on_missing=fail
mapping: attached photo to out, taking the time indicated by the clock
7:59
